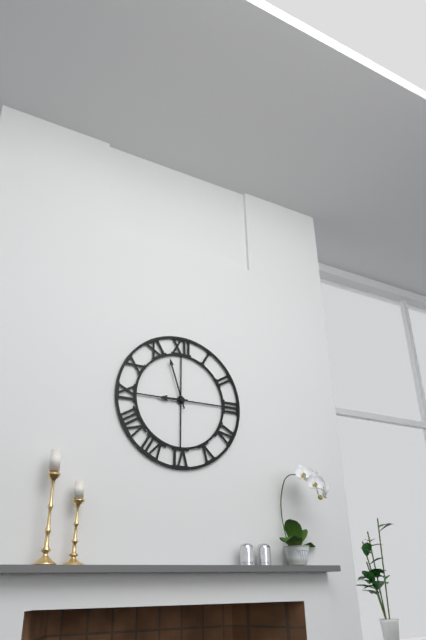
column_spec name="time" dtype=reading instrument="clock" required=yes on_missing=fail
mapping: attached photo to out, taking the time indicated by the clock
8:57
